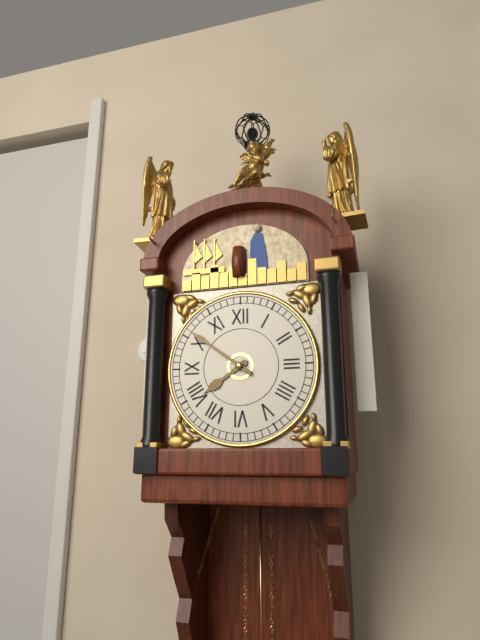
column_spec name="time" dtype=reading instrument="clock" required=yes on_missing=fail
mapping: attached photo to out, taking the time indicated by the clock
7:51
